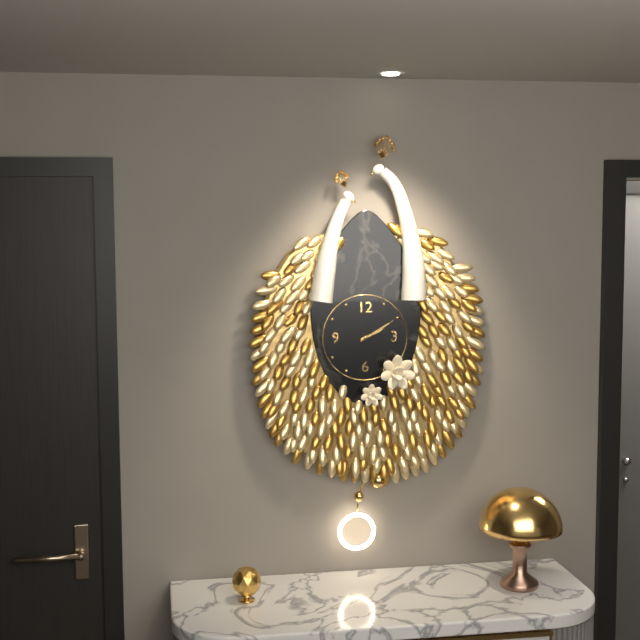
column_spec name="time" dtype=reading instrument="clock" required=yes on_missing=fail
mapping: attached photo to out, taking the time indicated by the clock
2:10
